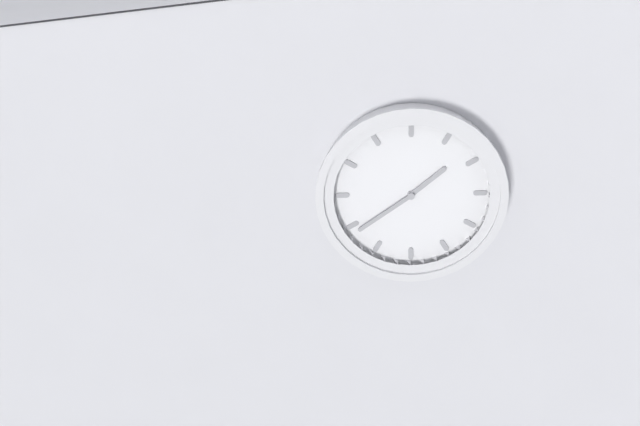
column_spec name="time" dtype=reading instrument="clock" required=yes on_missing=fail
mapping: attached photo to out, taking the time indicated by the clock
1:39
